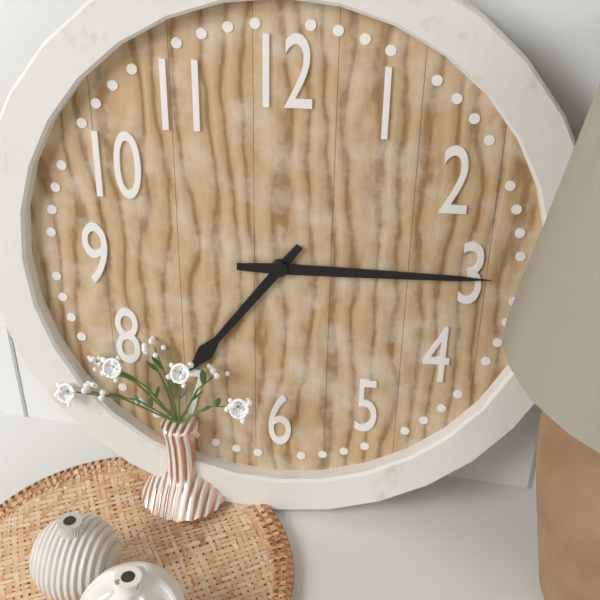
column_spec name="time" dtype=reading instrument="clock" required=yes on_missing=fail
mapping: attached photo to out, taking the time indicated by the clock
7:15
